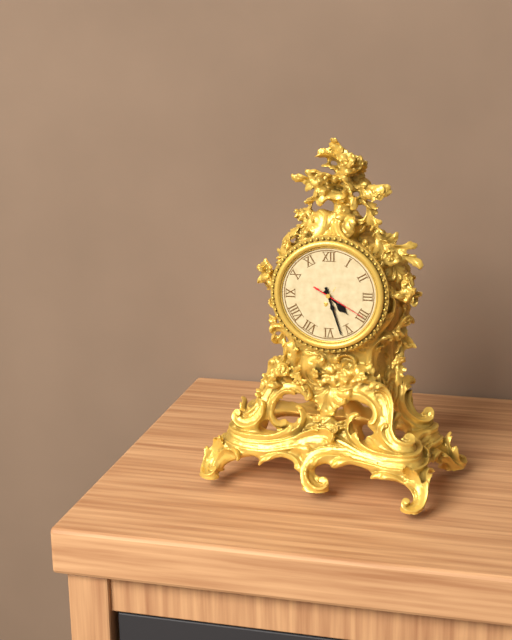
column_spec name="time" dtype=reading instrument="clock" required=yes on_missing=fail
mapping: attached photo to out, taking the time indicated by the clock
4:27:20
